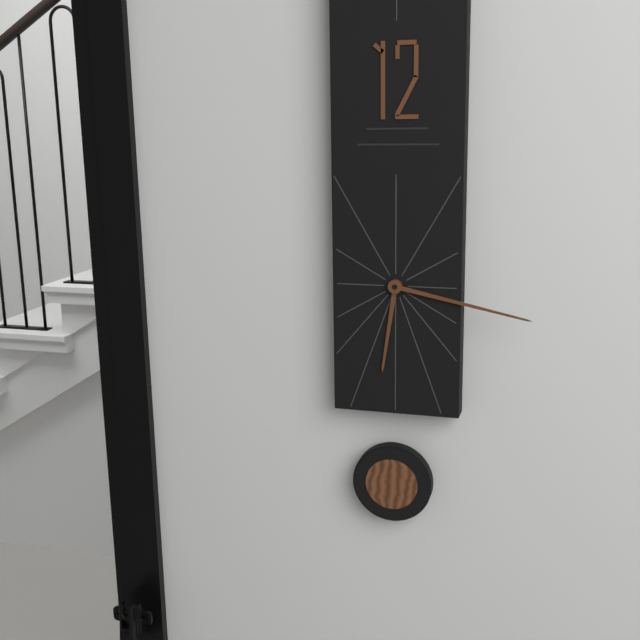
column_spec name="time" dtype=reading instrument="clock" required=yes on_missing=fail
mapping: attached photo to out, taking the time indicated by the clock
6:17
